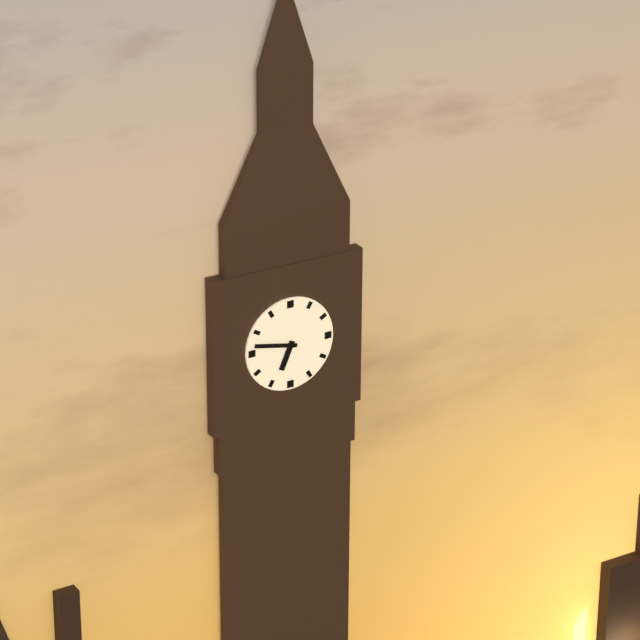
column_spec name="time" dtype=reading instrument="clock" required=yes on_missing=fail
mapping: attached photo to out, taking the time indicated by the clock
6:47
